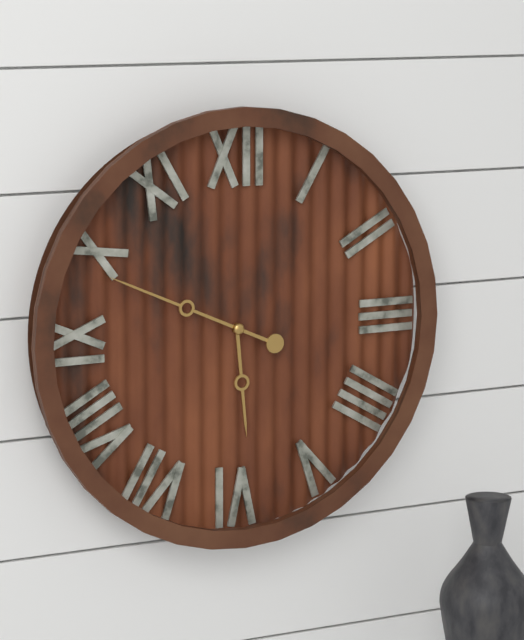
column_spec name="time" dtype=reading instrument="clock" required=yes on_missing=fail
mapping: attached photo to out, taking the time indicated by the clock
5:49
